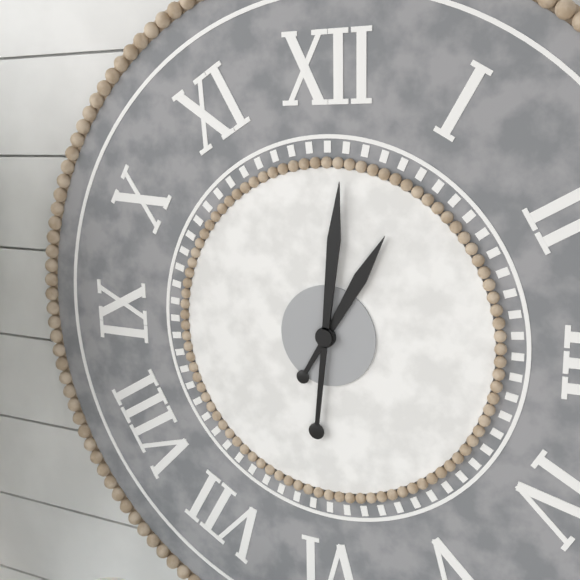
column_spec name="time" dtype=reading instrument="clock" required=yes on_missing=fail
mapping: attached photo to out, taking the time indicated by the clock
1:01
